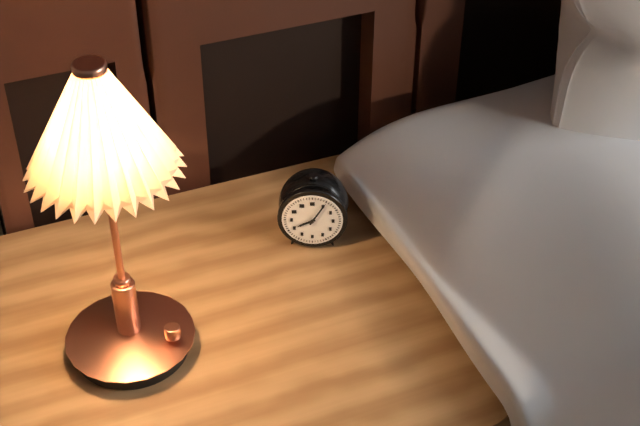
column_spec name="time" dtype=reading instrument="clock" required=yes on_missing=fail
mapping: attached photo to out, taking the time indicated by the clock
8:05
